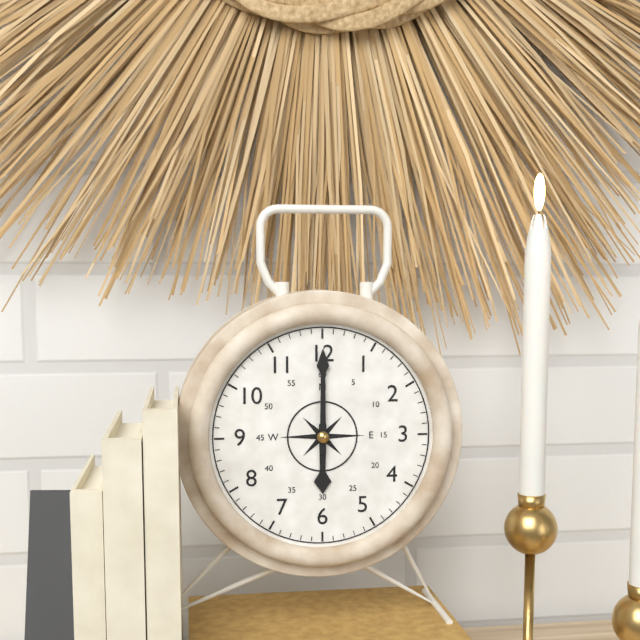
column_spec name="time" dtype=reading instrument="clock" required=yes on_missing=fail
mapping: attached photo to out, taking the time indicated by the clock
6:00
